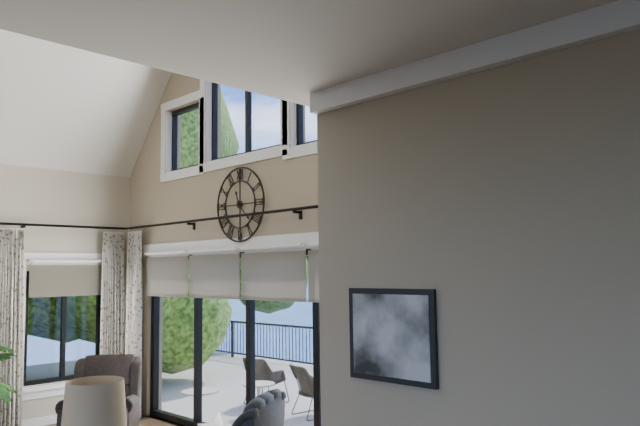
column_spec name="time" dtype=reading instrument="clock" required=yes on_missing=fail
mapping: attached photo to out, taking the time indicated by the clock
11:22
